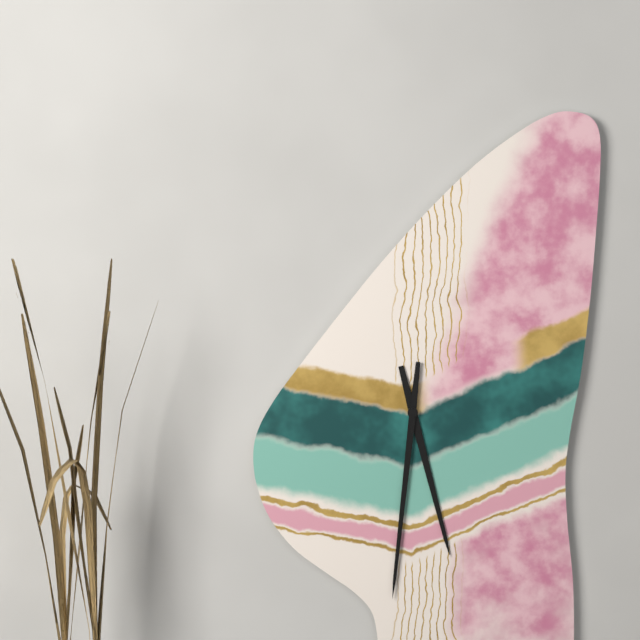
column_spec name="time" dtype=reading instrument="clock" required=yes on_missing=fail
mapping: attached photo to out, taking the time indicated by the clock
5:31
